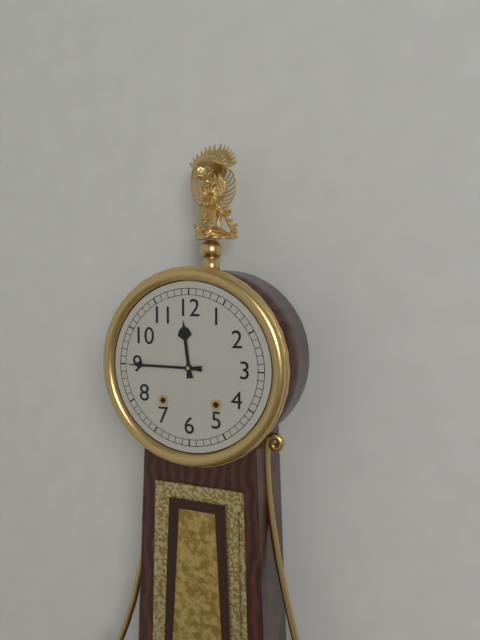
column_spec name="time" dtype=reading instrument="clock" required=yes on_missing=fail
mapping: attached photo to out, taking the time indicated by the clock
11:45
